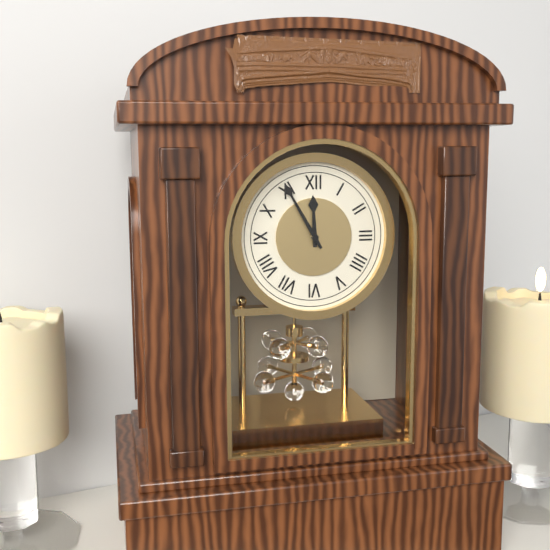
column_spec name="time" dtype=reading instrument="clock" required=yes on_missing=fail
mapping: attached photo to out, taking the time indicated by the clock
11:55
